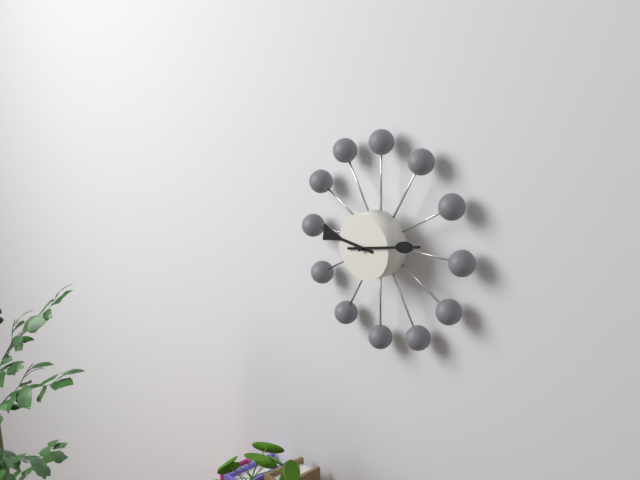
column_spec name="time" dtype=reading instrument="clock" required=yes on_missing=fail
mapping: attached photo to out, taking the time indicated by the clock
9:13
